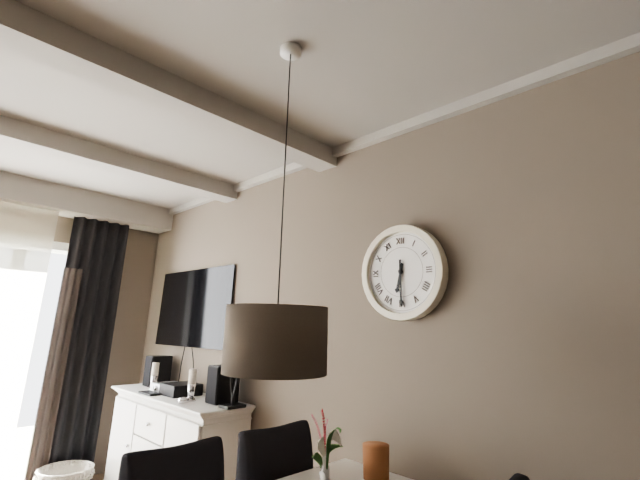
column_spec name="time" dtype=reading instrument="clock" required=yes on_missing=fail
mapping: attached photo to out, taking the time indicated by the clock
6:30
